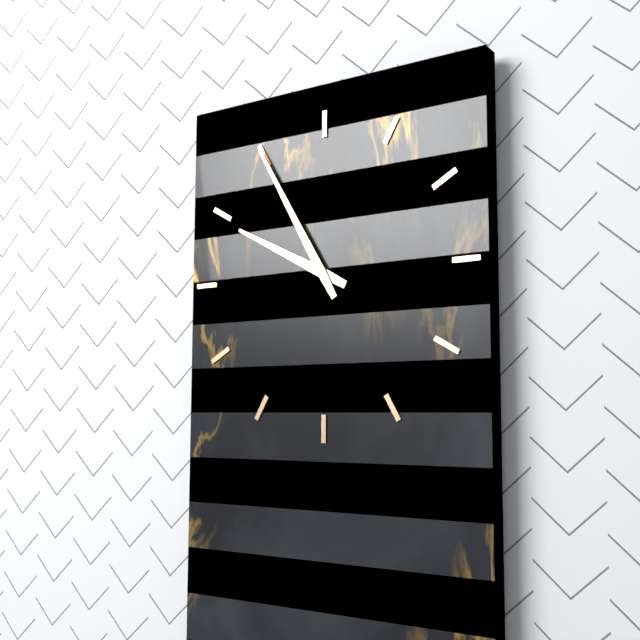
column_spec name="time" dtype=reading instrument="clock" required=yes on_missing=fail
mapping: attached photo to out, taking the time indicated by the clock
9:55
